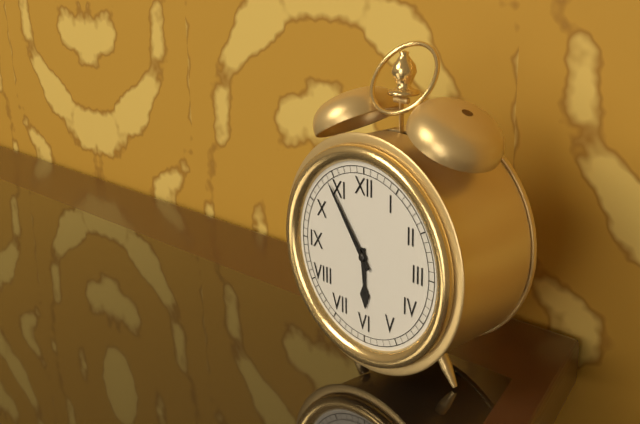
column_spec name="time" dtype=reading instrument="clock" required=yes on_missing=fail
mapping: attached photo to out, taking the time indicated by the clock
5:54
